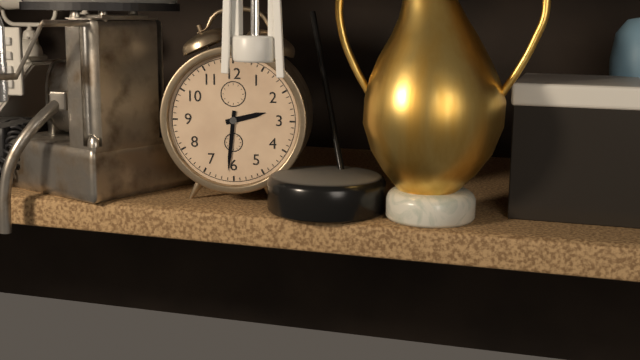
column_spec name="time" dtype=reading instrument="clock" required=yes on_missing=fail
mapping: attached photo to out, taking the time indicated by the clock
2:31
